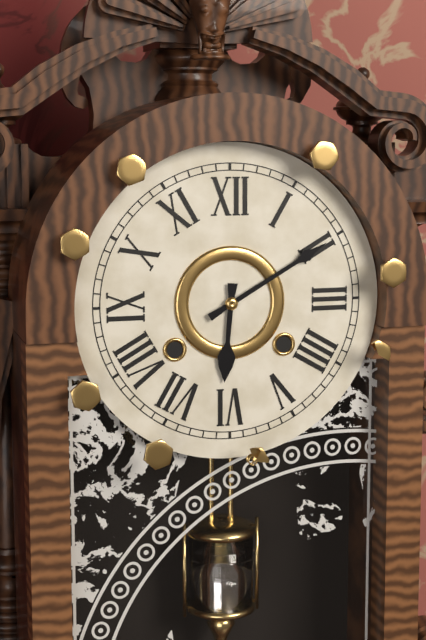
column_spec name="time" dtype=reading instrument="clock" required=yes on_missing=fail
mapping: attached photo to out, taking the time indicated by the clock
6:10
